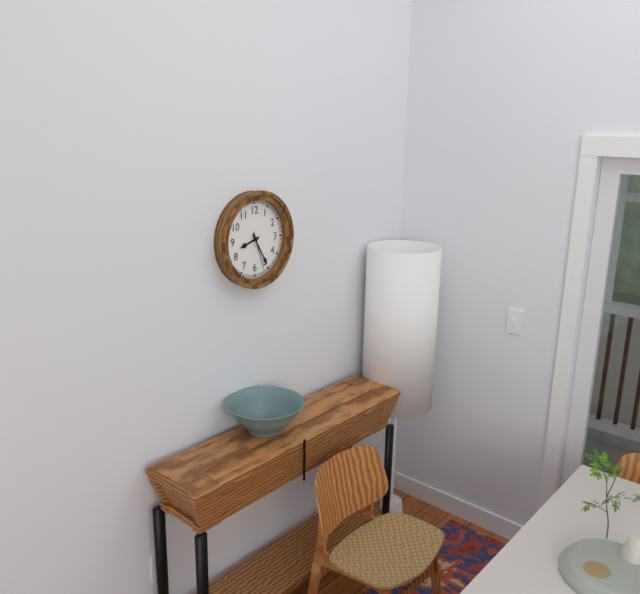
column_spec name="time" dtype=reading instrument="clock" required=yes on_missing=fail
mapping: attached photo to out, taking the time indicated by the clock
8:25
